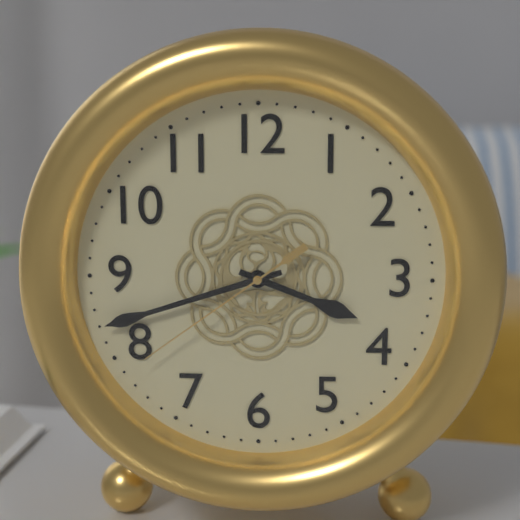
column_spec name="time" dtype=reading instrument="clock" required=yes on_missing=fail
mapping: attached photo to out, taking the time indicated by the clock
3:42:39
